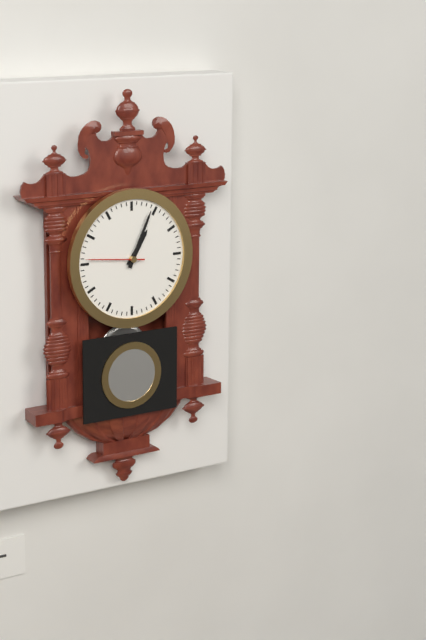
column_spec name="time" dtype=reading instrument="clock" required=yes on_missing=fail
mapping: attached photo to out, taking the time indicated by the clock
1:04:46
